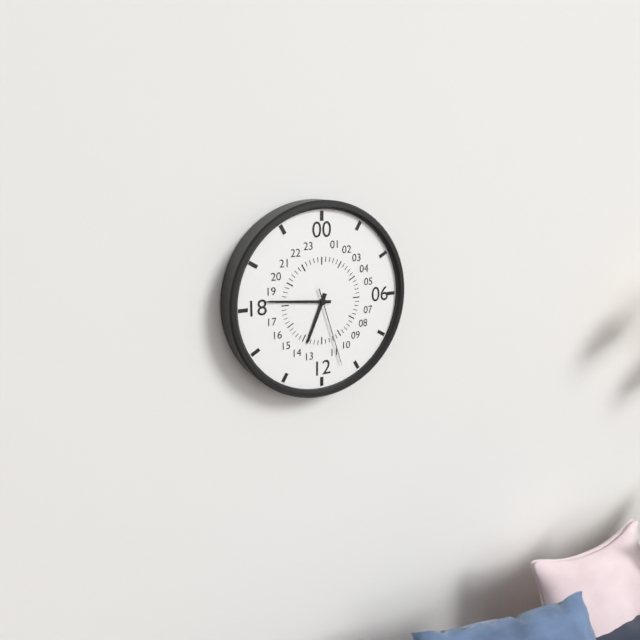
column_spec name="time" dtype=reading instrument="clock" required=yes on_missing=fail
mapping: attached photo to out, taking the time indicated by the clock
6:46:27
